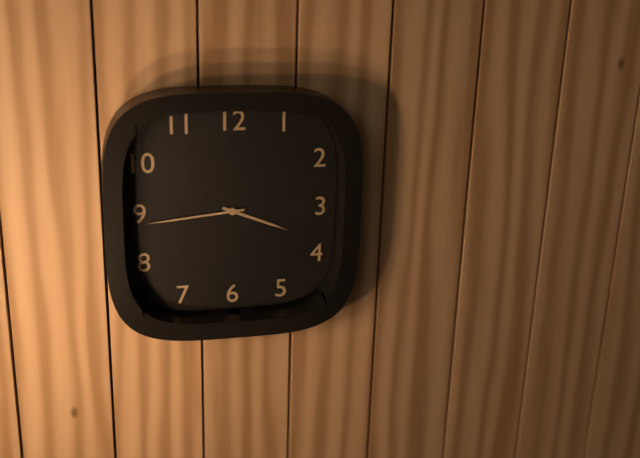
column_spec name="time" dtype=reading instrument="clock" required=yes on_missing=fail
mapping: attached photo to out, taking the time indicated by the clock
3:44
